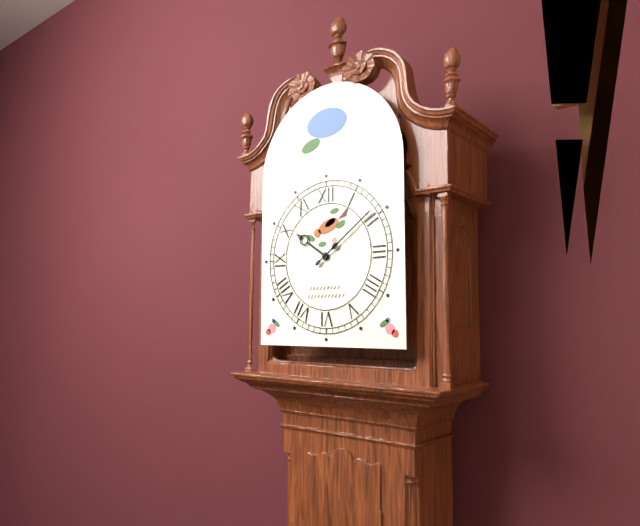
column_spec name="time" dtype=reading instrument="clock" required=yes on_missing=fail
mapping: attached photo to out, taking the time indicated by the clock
10:09
